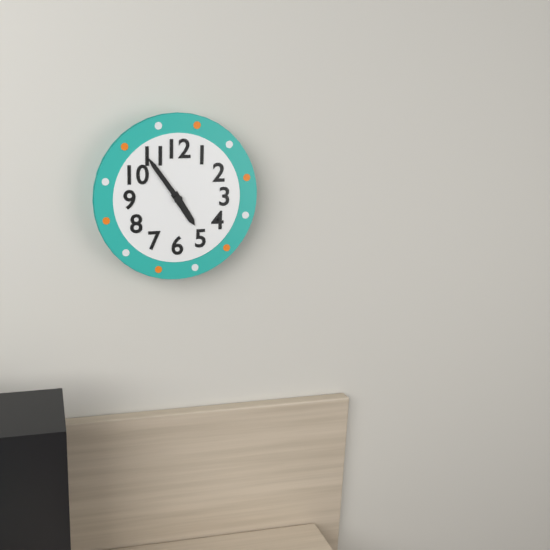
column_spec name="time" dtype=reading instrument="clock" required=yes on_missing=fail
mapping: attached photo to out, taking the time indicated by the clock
4:54
